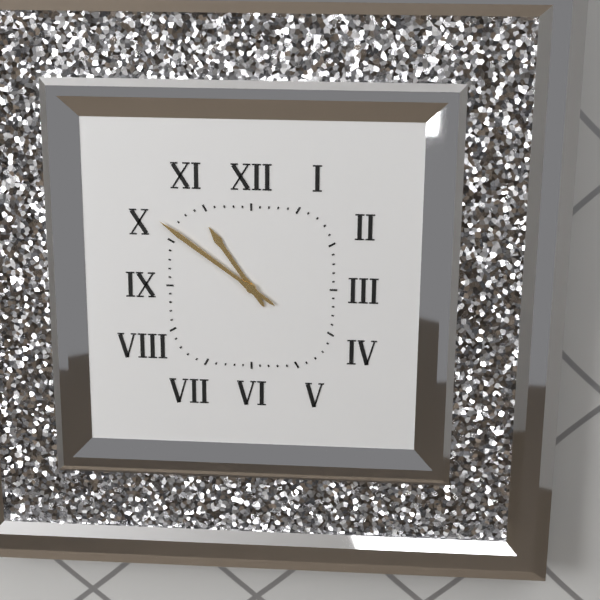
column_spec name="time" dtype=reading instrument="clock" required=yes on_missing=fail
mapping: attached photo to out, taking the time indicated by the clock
10:51
